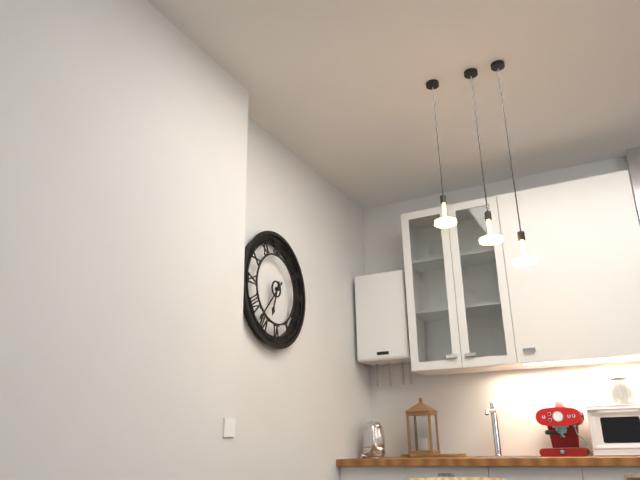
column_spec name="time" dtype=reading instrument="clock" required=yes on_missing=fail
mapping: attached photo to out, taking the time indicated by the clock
6:37
